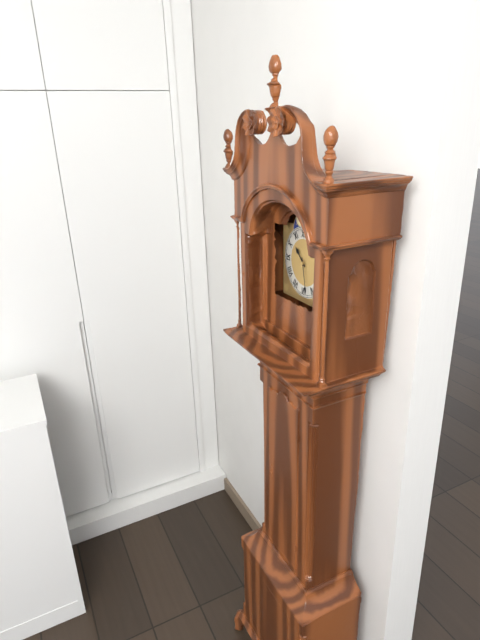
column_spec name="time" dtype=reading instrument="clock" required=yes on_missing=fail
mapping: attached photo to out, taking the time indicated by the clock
10:28
